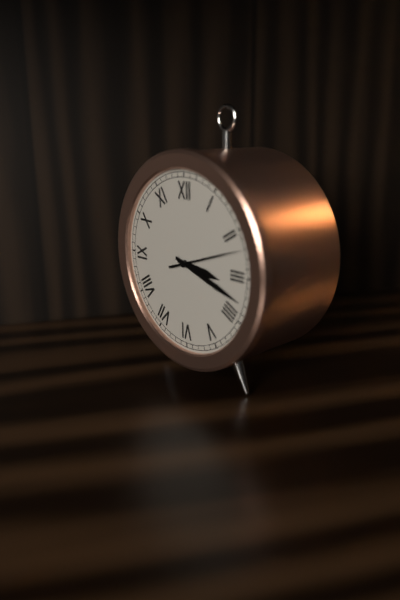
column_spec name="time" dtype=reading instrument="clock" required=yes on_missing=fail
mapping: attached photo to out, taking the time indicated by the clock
3:18
